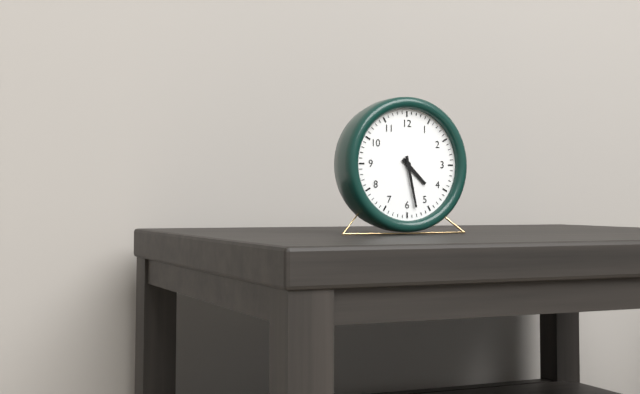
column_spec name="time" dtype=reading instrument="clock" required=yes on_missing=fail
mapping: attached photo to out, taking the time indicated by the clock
4:28
